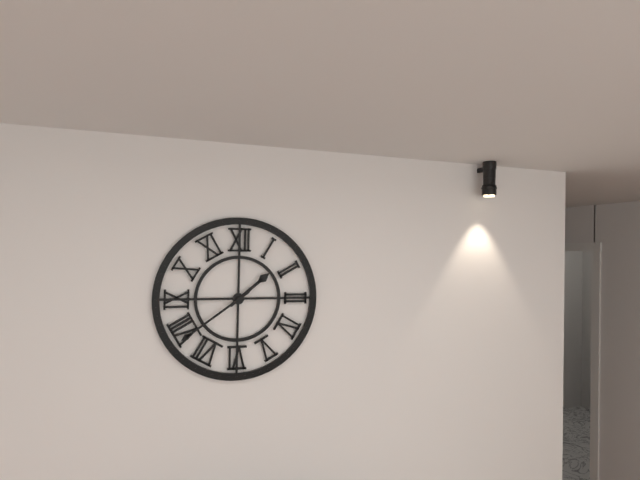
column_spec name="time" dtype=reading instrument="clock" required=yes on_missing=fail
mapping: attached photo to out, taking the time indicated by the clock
1:39
